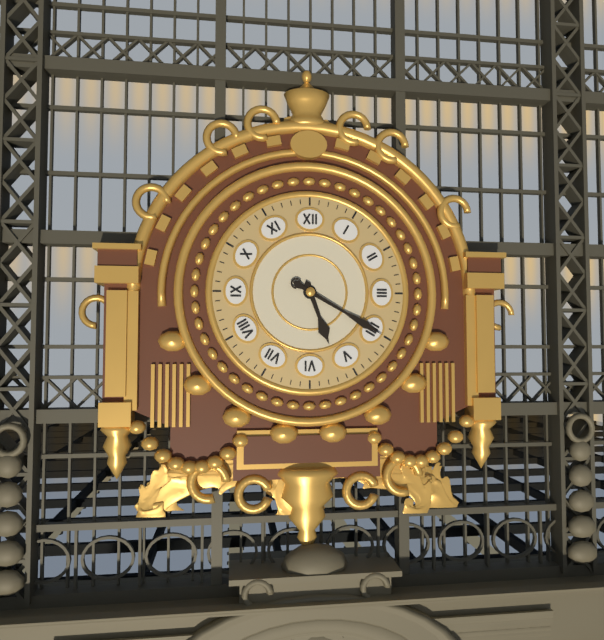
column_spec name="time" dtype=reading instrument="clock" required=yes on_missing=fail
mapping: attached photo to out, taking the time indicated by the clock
5:20
